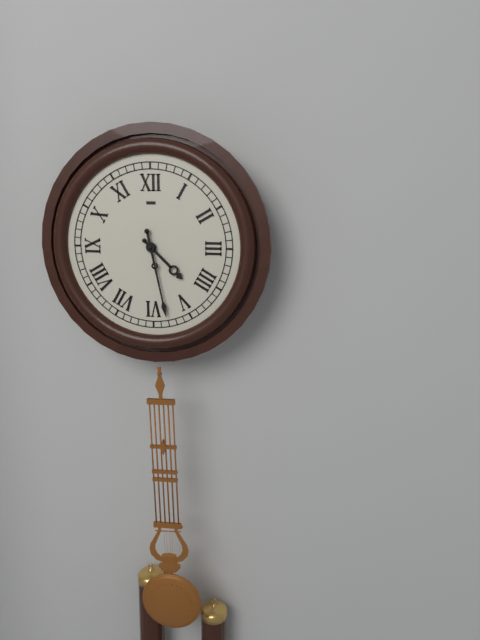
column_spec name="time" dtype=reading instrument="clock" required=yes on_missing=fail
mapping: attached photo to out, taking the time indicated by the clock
4:28
